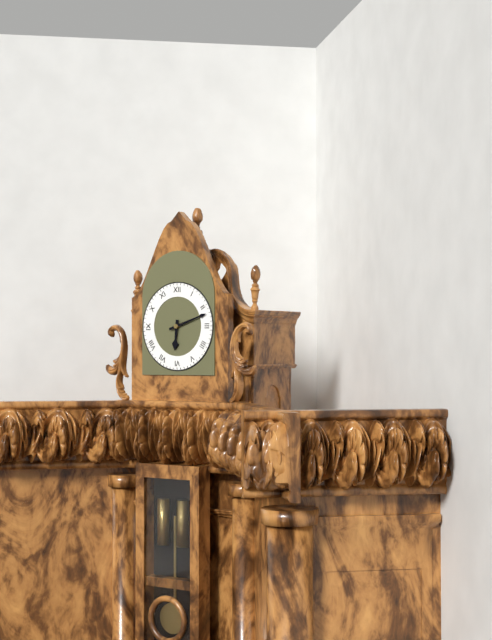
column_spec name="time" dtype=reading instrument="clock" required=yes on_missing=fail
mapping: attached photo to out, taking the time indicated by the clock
6:12
